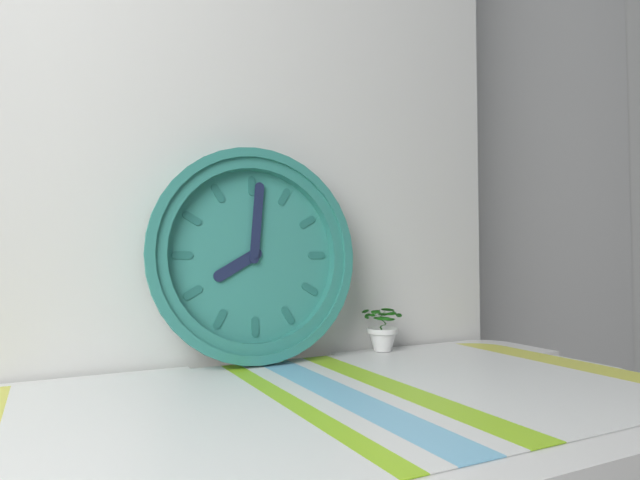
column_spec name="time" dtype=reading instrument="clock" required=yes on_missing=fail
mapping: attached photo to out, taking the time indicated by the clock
8:01
